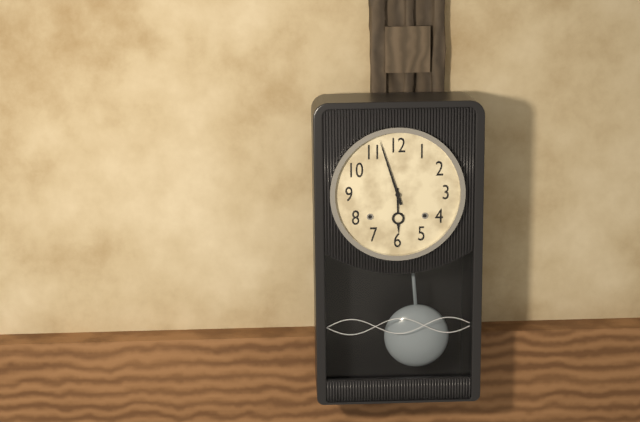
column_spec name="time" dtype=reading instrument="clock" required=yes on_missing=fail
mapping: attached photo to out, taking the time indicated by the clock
5:57
